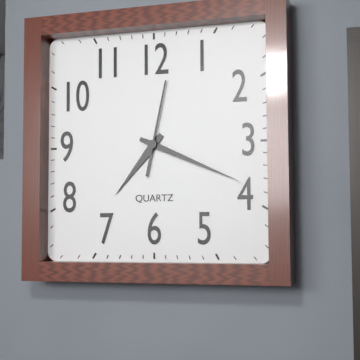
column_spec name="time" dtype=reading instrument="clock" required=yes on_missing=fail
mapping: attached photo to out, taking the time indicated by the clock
7:19:02
